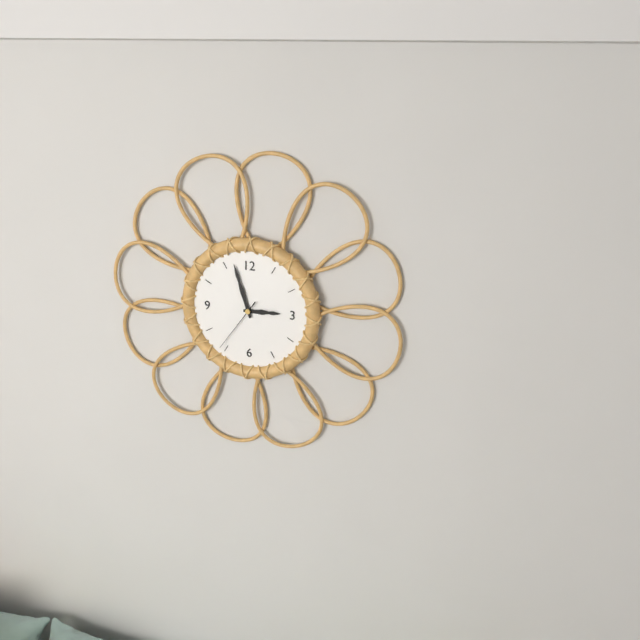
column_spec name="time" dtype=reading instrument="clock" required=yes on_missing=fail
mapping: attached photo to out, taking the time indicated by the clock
2:57:36
